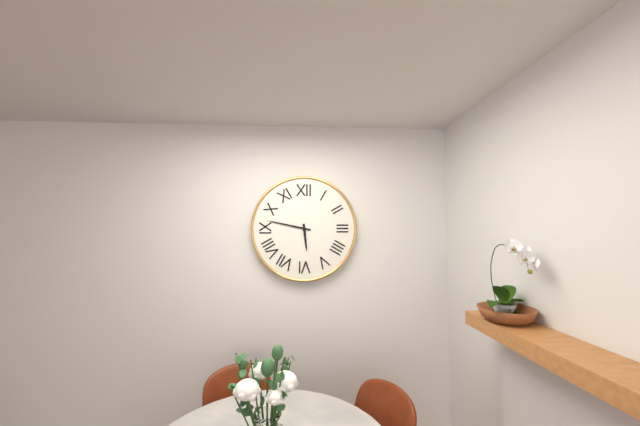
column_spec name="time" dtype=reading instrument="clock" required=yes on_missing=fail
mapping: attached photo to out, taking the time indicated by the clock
5:47
